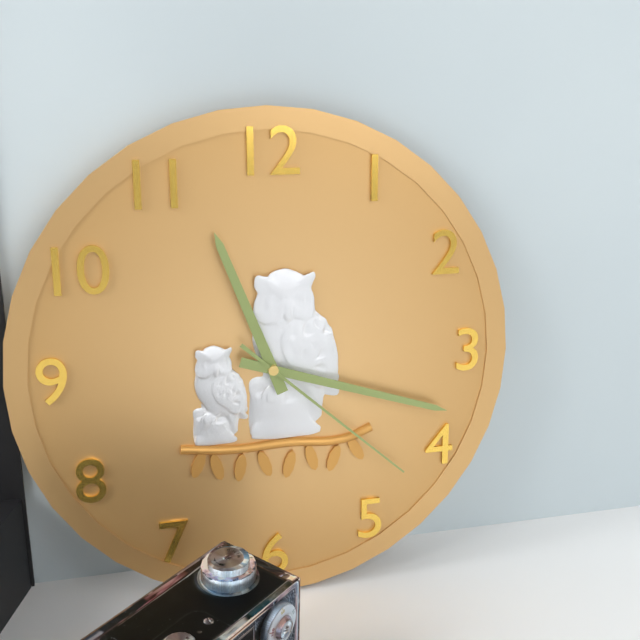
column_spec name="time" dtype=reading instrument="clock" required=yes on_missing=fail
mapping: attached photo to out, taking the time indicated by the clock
11:18:22
